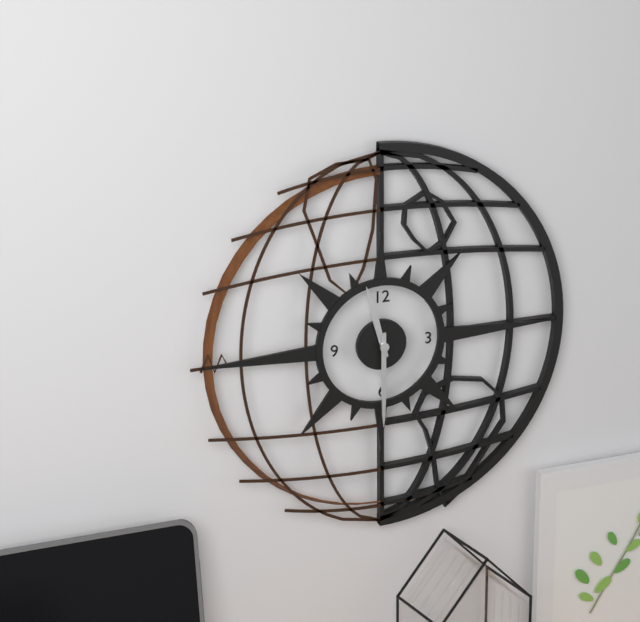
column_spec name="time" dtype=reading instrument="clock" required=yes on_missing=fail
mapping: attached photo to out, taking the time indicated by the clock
11:30
